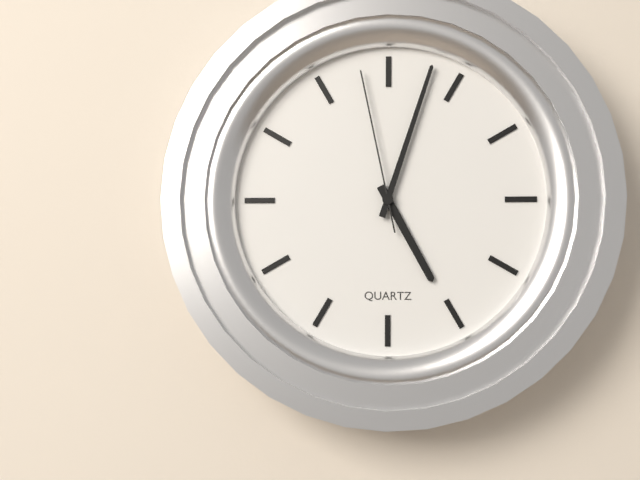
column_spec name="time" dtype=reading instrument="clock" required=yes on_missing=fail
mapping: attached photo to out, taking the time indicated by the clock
5:03:58
